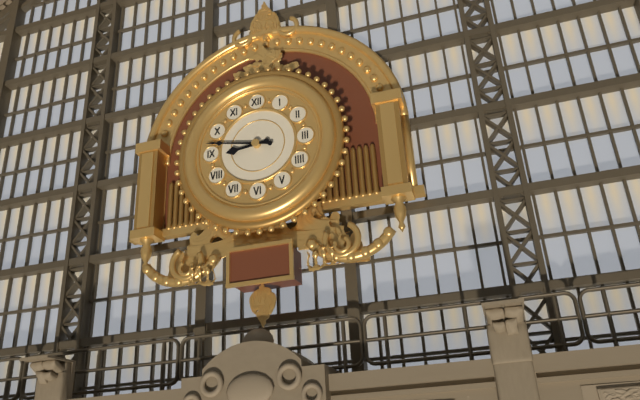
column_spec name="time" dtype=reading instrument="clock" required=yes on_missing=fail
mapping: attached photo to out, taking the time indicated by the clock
8:47
